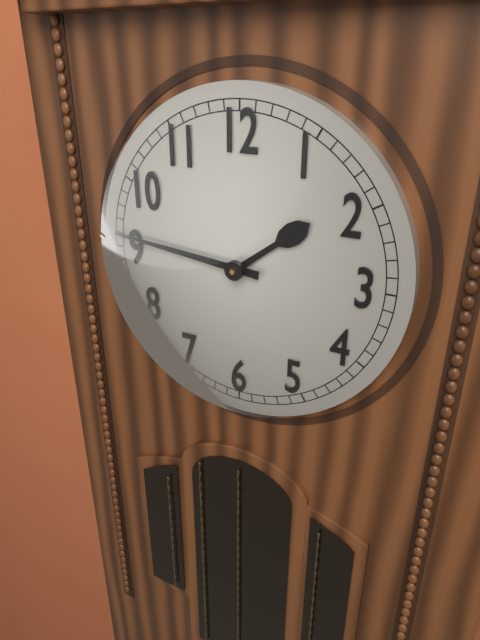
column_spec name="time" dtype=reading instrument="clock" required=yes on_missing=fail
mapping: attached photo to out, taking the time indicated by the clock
1:46
